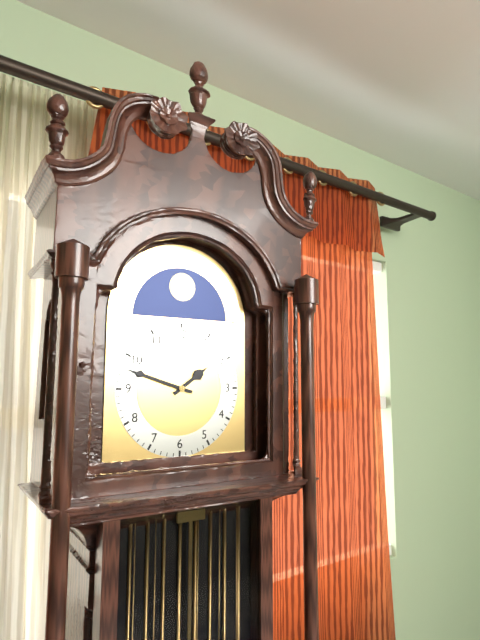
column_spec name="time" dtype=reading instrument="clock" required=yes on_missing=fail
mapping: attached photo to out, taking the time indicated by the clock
1:48
